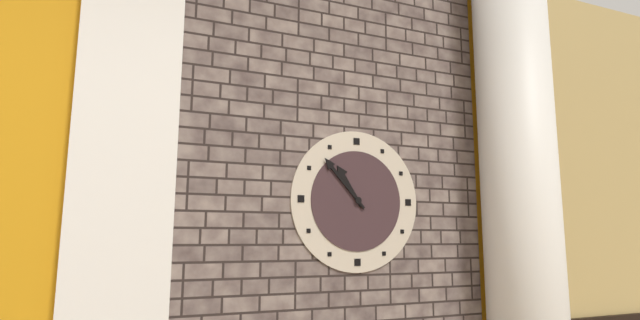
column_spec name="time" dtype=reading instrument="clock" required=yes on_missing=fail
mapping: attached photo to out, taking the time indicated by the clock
10:53
